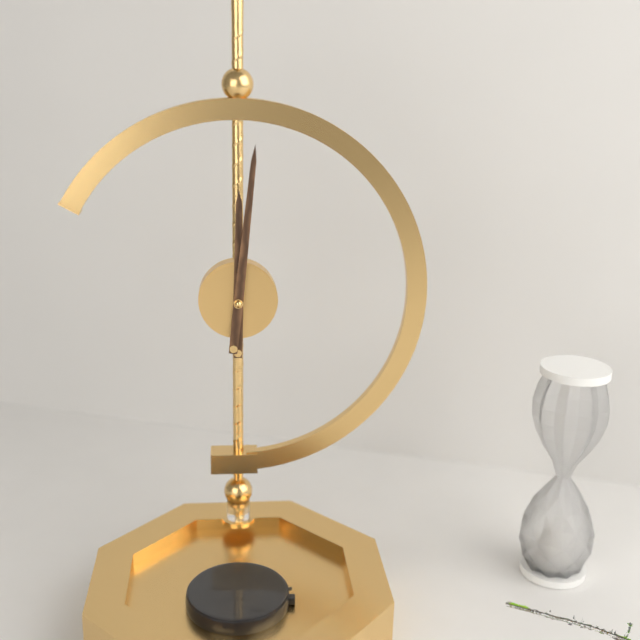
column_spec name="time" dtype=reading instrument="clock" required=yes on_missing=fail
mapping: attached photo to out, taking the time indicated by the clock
12:01
